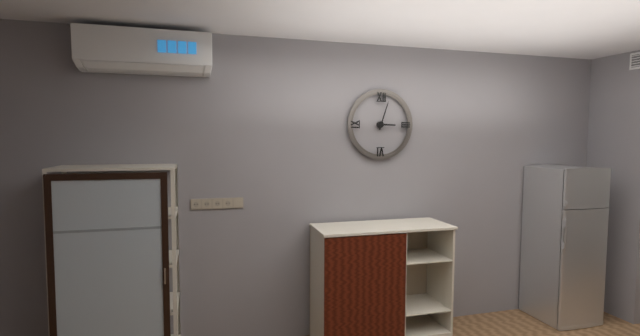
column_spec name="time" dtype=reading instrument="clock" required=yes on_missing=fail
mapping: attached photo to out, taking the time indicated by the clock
3:03
